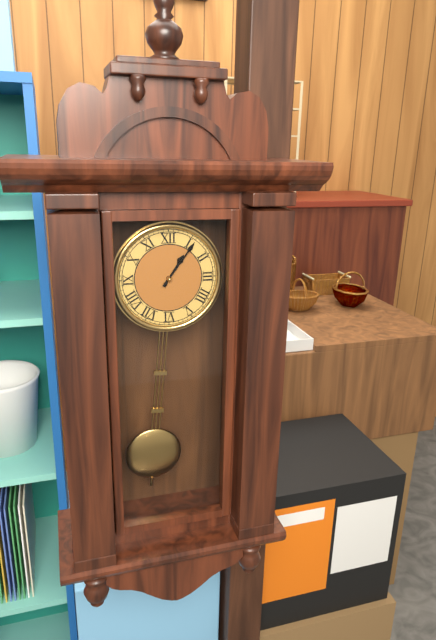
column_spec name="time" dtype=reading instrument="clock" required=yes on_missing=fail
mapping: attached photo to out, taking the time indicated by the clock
1:06
